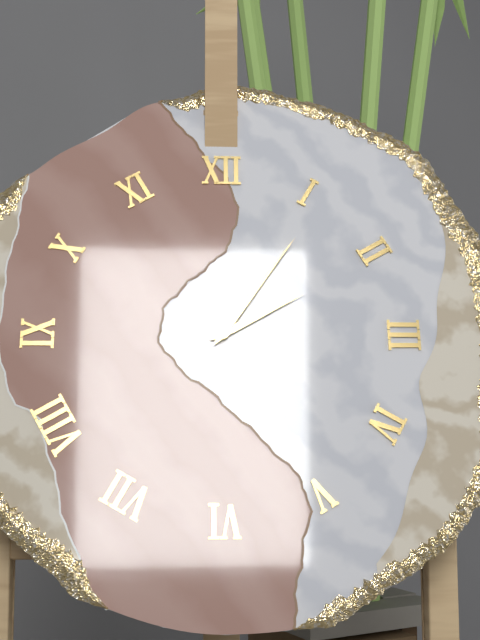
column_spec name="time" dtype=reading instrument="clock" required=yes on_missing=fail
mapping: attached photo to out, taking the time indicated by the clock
2:06
